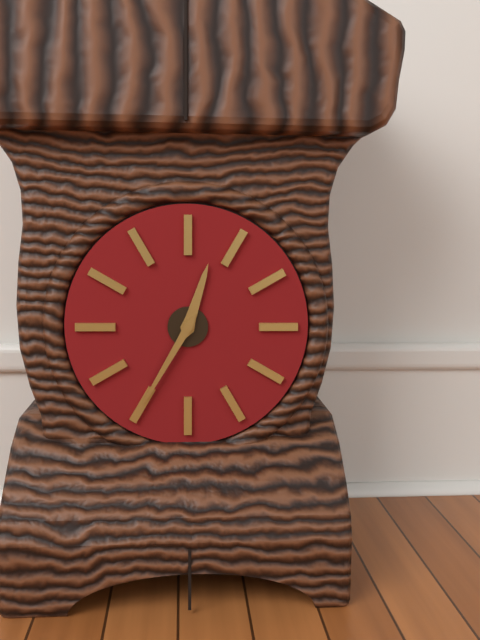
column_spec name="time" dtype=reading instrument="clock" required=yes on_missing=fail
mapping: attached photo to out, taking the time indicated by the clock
12:35
